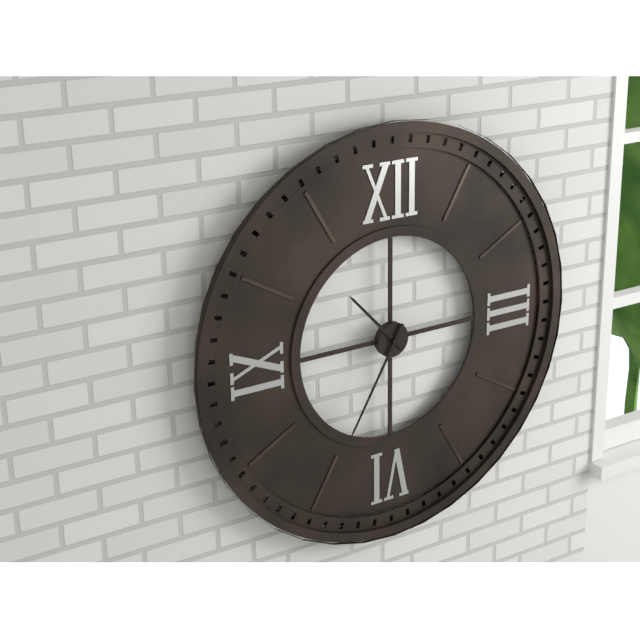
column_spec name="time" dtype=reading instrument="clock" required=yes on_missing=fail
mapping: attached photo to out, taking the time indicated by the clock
10:35
